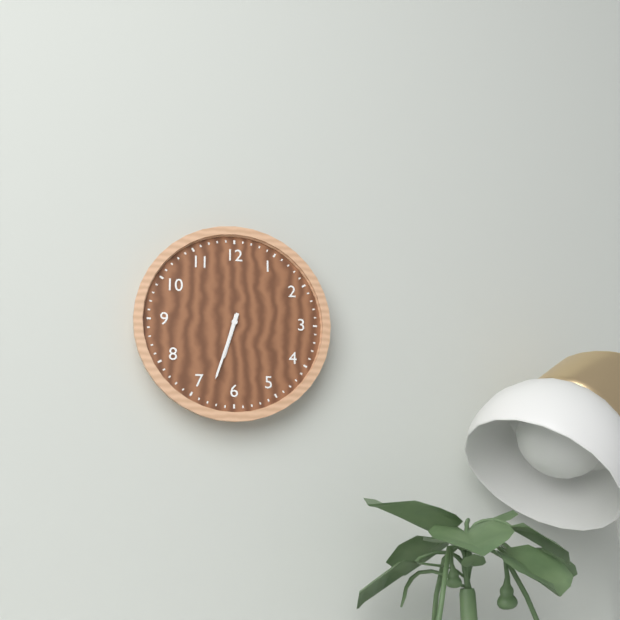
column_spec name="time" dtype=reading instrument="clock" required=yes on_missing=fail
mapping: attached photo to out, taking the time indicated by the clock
6:33
